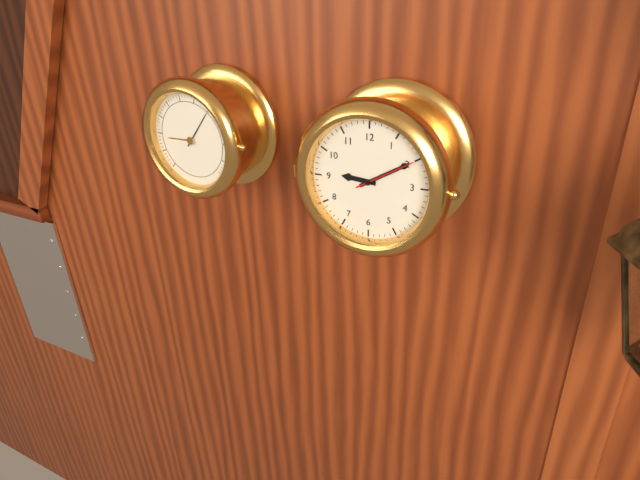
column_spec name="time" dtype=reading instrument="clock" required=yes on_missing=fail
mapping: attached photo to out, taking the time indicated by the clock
9:10:10
